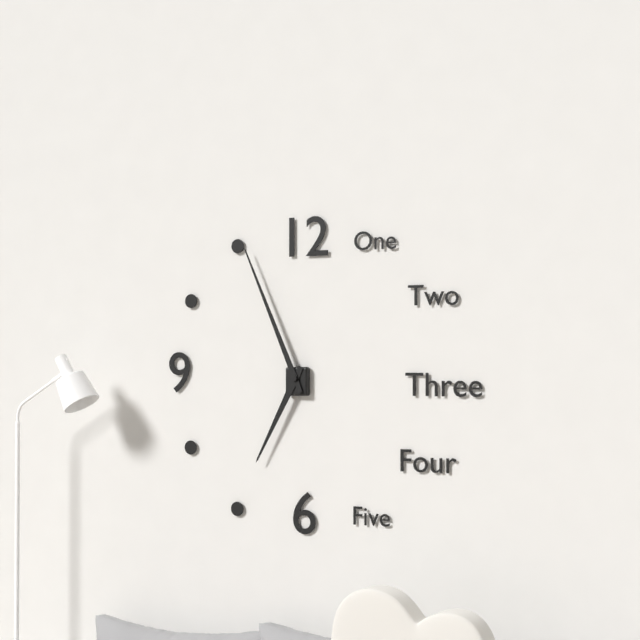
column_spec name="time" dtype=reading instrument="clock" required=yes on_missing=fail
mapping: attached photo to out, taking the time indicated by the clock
6:56
